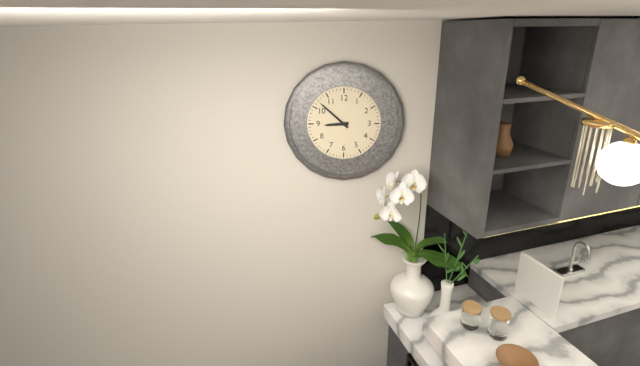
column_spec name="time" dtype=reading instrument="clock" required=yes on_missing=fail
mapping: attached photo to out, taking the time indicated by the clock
8:52
